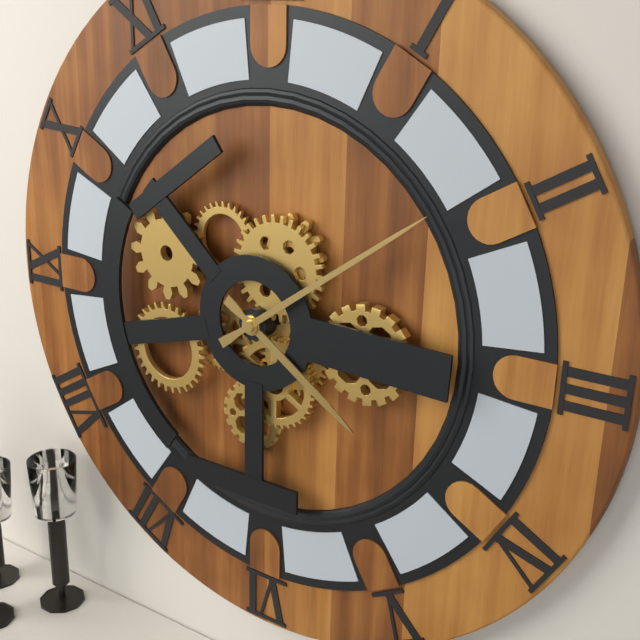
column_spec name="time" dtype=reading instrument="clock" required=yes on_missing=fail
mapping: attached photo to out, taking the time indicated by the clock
4:09
